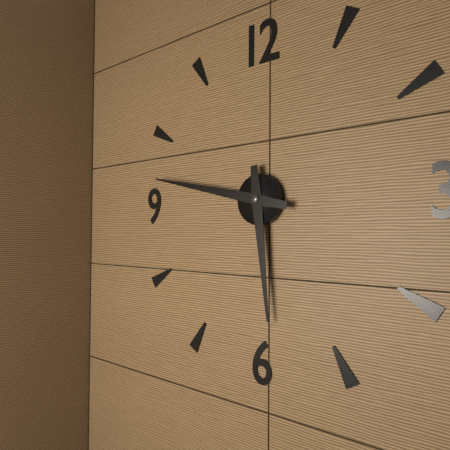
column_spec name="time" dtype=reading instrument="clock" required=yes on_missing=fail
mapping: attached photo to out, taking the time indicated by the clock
5:47
